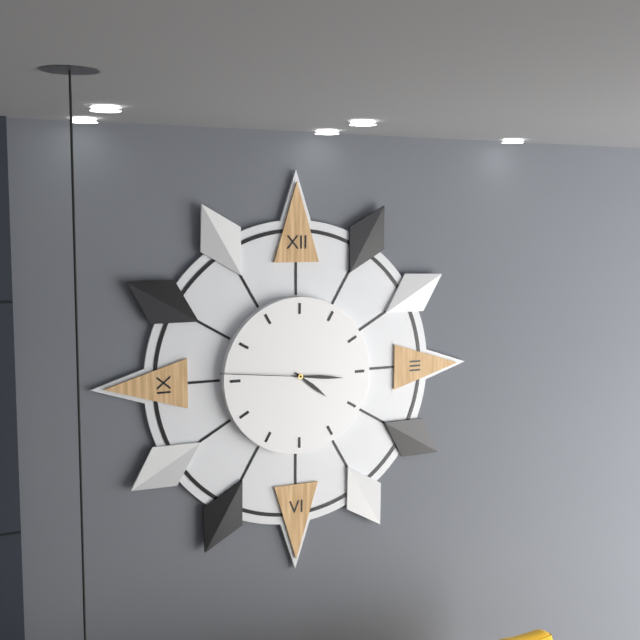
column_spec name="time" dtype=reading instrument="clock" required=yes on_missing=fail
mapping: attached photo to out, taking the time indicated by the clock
4:16:46
